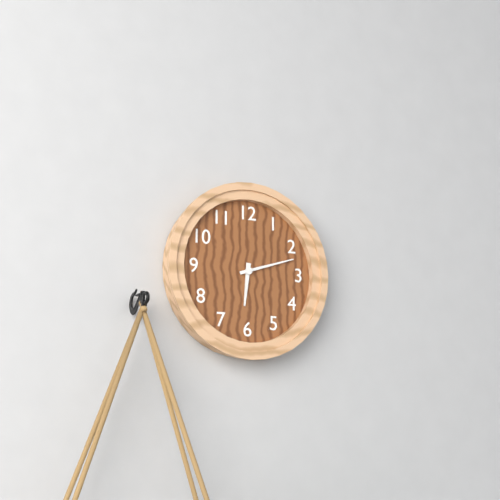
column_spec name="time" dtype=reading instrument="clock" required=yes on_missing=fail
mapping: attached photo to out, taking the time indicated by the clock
6:12
